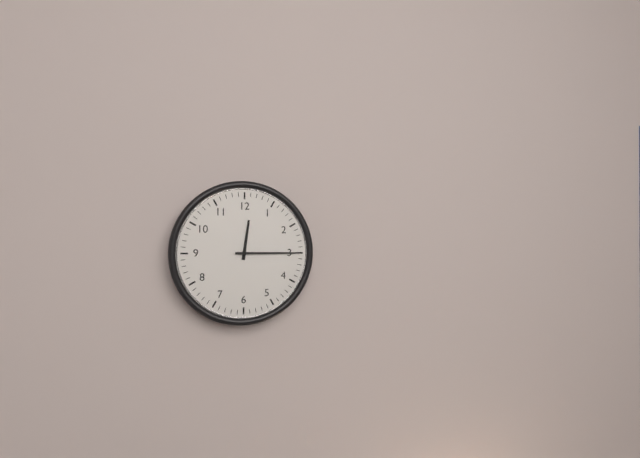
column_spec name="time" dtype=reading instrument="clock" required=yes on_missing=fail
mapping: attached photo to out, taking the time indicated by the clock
12:15
